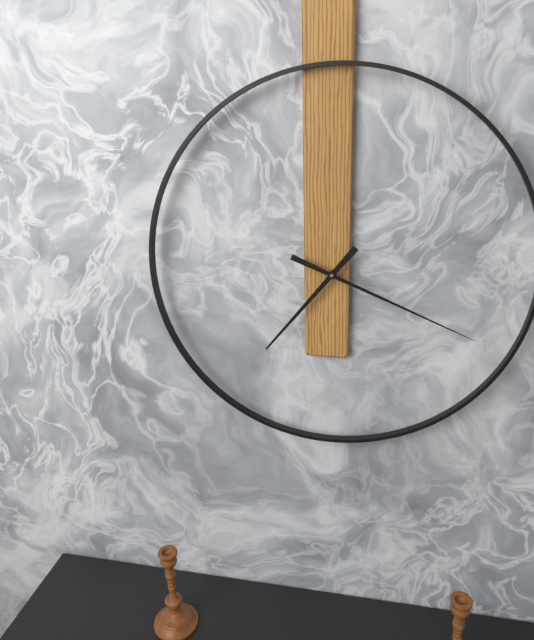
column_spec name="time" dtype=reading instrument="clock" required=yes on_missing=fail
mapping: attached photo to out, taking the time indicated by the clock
7:19
